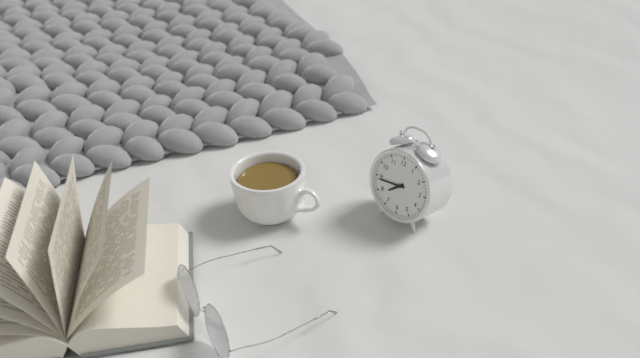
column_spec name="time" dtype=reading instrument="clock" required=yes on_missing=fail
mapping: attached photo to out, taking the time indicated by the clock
7:44
